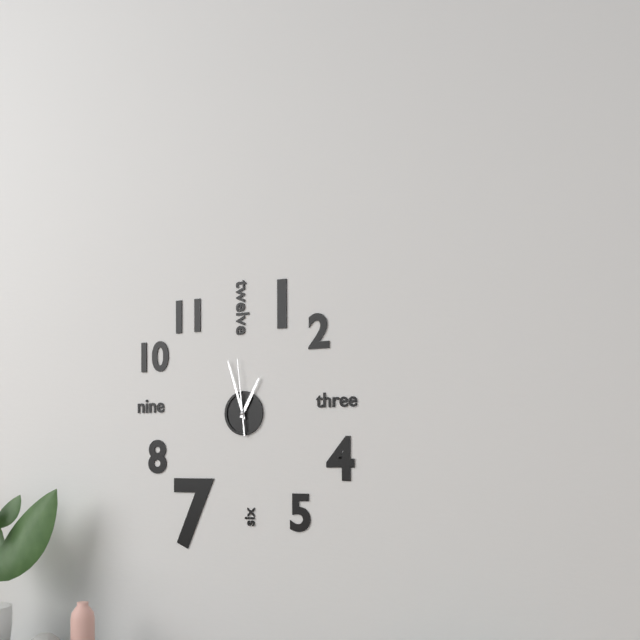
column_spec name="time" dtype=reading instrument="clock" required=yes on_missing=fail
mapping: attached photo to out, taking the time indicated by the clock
12:57:59
